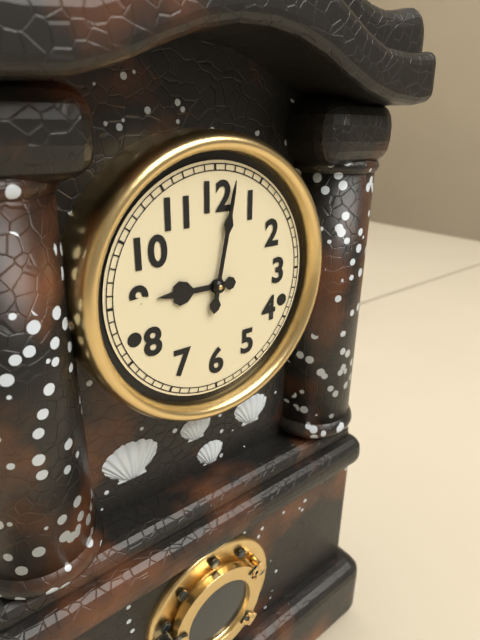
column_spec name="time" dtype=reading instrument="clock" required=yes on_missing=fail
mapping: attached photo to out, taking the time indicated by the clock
9:02
